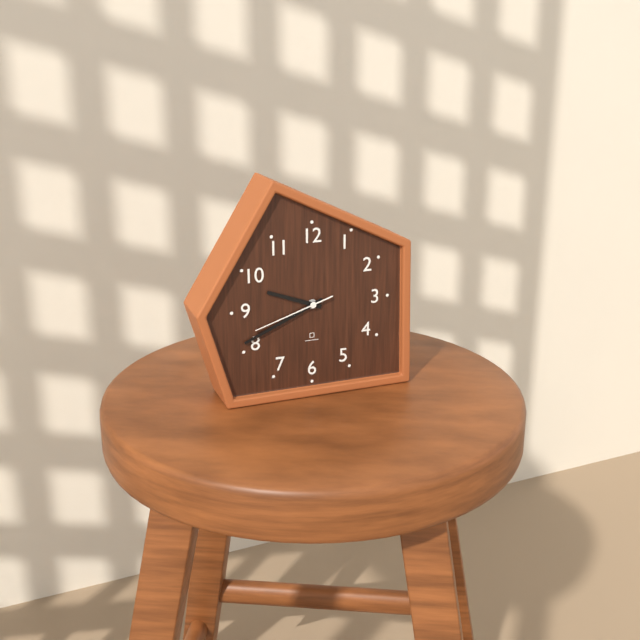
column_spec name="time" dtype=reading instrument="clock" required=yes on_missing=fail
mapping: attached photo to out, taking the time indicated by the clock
9:41:42
